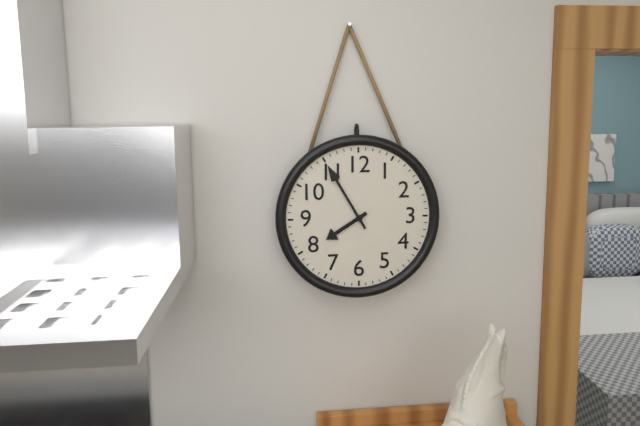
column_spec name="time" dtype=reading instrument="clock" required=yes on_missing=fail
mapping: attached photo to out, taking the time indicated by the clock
7:55
